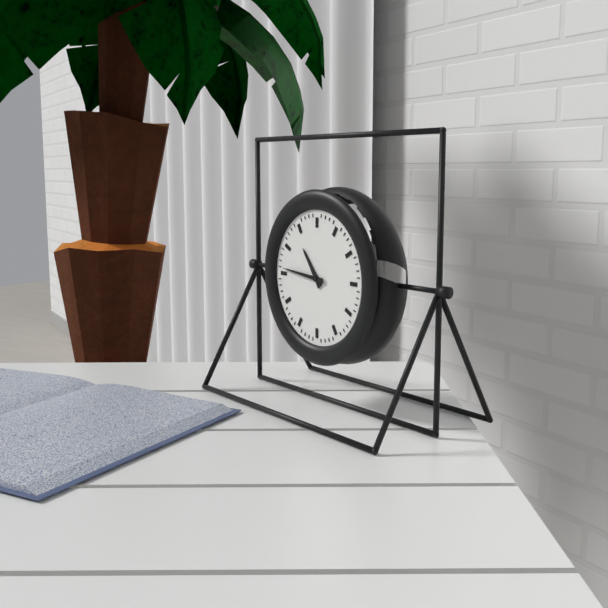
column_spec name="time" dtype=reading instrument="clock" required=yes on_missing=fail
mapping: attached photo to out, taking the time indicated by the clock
10:46
